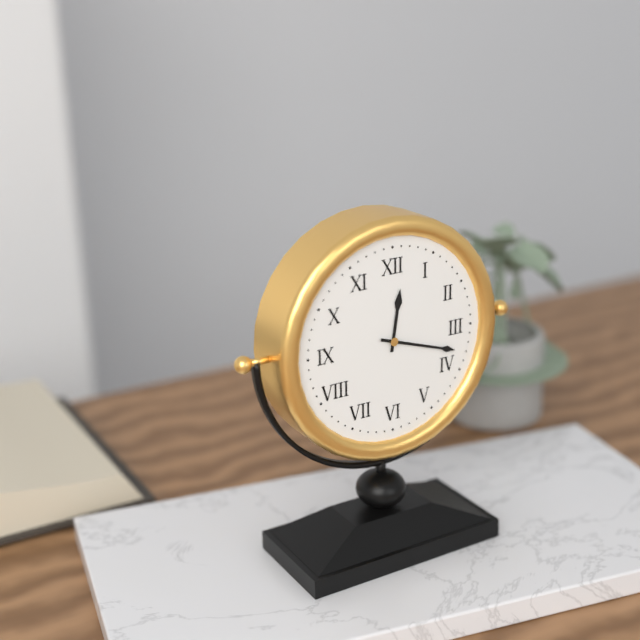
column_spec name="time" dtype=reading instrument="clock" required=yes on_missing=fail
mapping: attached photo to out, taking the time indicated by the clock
12:18
